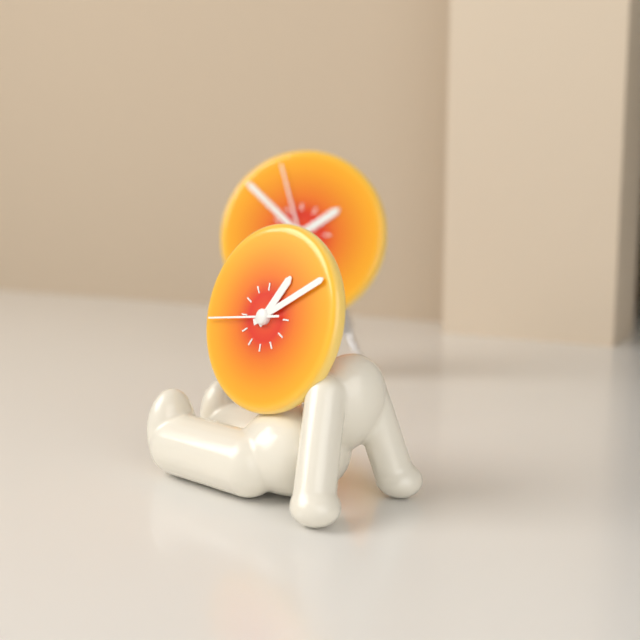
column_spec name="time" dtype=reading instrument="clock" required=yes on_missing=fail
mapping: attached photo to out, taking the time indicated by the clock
1:10:44
